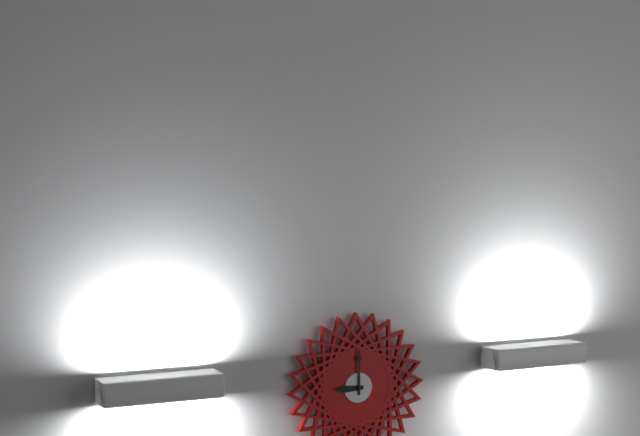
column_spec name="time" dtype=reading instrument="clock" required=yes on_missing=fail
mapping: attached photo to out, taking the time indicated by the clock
9:00
